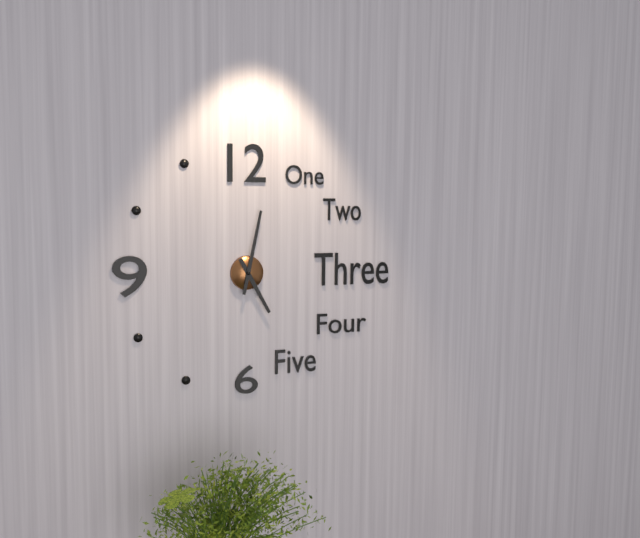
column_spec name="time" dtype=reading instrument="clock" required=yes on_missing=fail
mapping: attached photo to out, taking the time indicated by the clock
5:02
